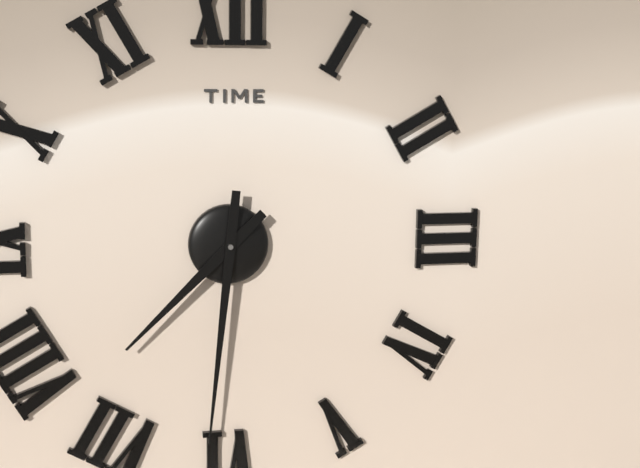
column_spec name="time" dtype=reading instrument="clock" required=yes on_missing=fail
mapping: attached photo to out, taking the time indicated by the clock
7:31
